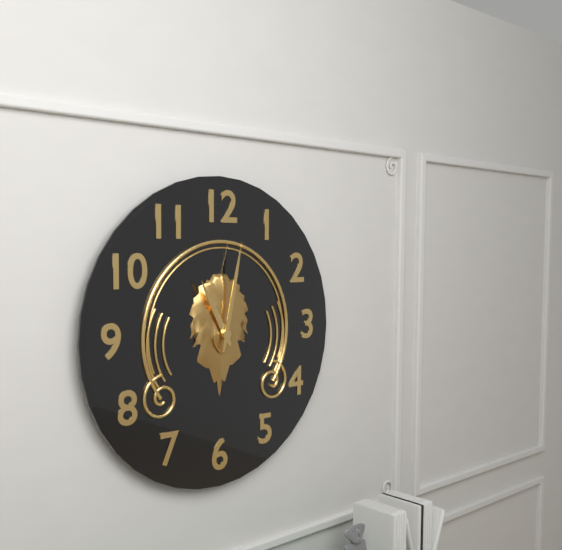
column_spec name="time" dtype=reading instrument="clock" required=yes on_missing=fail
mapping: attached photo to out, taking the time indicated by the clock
11:02
